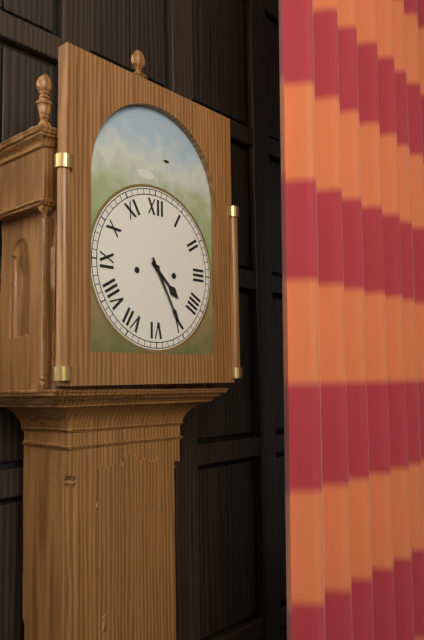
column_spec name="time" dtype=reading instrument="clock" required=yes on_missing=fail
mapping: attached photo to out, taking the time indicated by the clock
4:25
